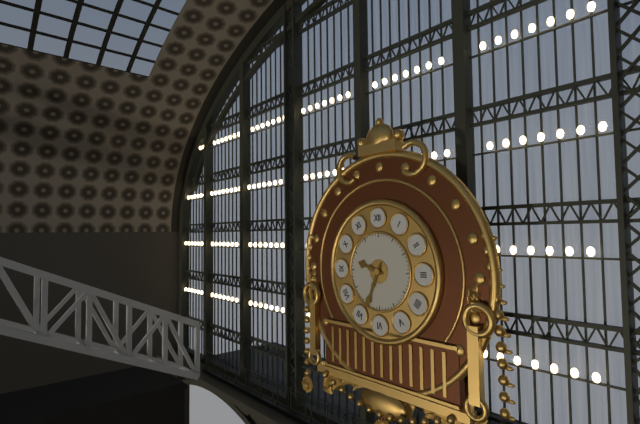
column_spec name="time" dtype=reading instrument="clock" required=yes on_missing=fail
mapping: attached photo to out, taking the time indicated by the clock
9:34
